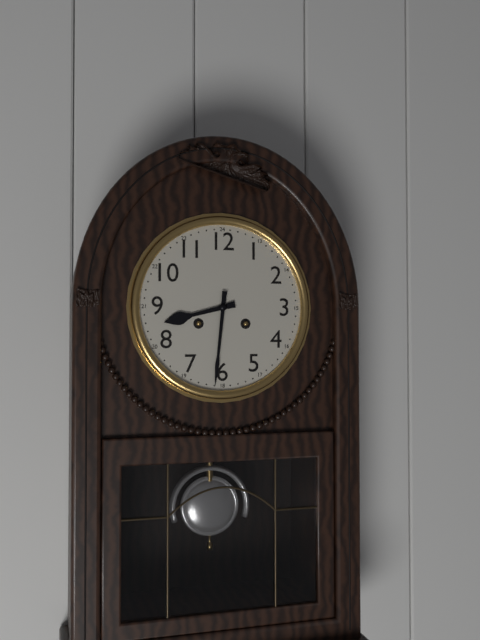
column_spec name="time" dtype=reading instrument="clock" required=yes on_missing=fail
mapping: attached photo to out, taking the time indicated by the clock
8:31
